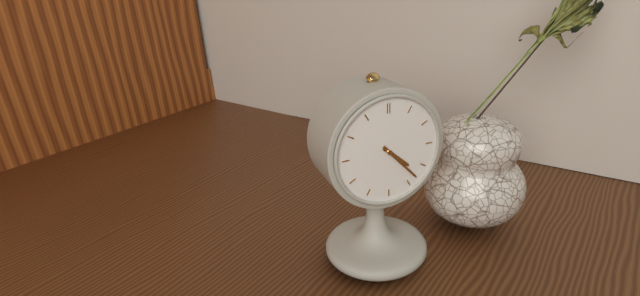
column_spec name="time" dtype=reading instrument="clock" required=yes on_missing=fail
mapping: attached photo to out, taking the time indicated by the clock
4:23
